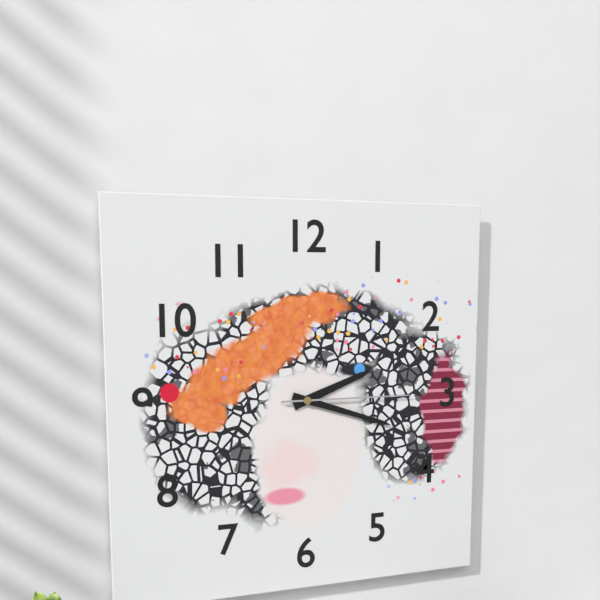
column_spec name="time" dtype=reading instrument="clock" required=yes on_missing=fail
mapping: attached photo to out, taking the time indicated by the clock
2:18:15
